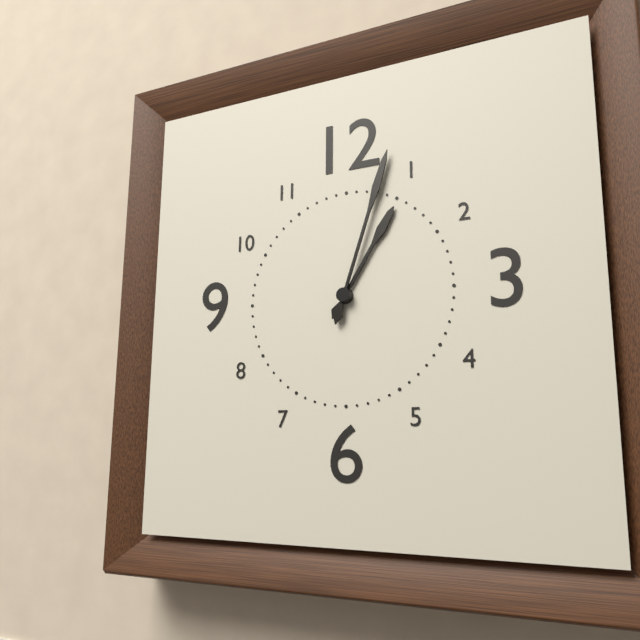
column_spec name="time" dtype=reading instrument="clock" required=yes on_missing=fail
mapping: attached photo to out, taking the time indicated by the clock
1:03
